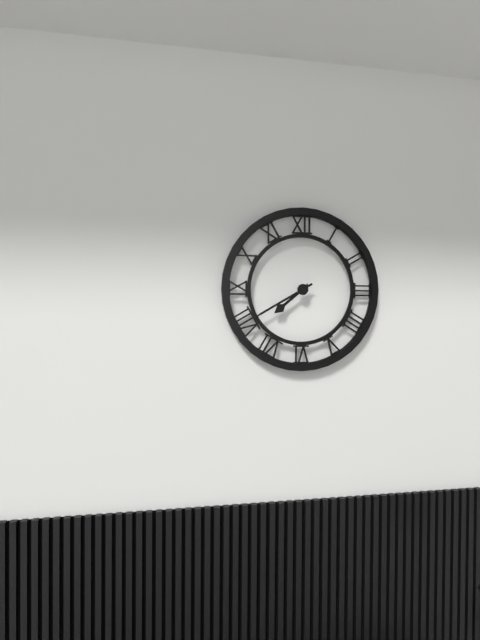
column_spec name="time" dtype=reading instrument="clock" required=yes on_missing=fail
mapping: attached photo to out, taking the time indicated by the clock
7:40
